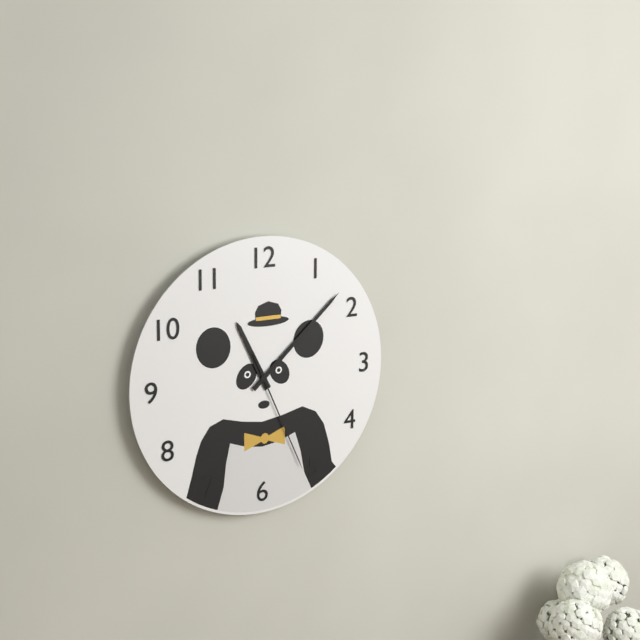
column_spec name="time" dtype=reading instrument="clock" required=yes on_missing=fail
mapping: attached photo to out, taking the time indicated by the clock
11:08:26
